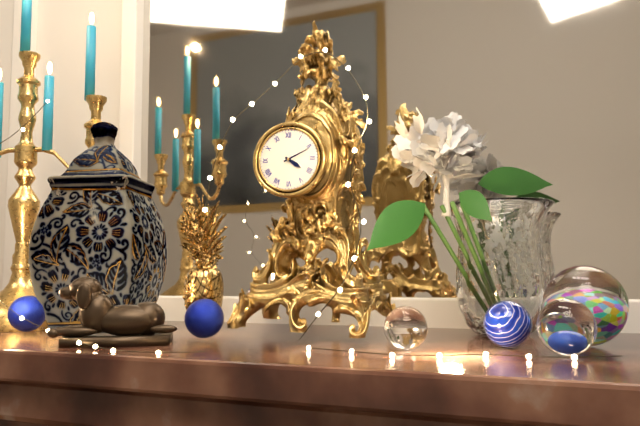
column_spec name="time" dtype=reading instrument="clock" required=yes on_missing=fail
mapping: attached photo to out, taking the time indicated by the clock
4:11
